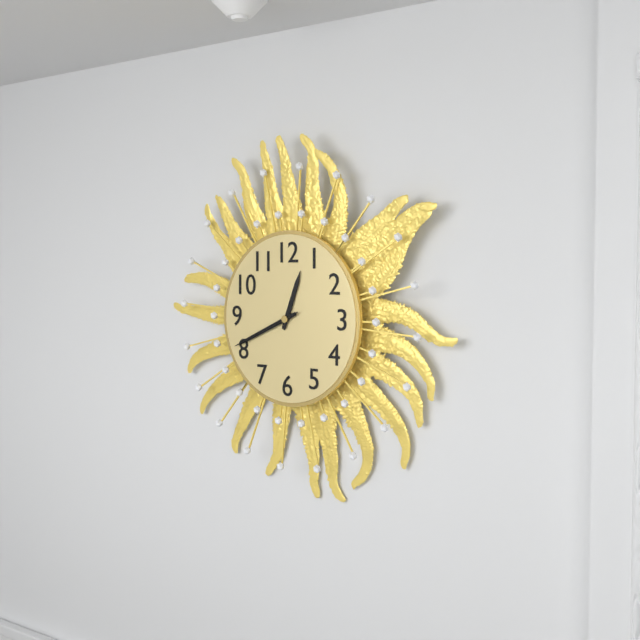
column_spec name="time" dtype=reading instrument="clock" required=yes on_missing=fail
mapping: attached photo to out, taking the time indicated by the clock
12:41:41
